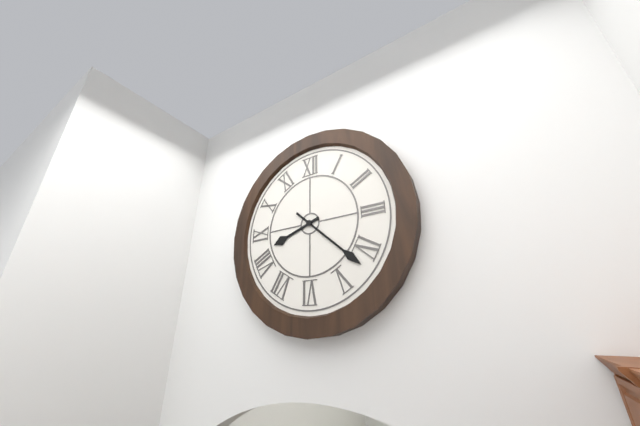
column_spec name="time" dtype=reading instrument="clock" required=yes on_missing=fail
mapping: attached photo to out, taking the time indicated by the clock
8:22
